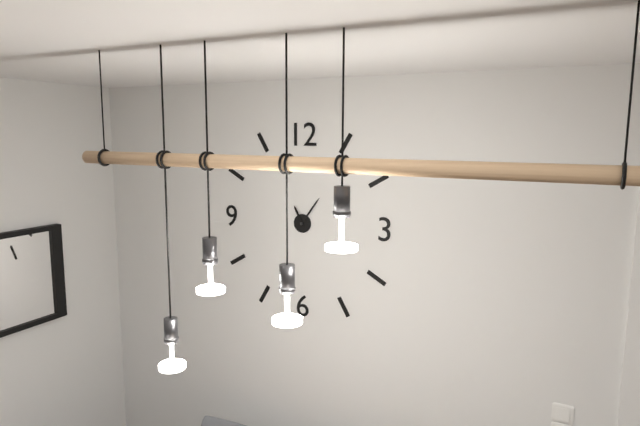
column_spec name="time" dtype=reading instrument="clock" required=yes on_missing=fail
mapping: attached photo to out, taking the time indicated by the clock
11:06
